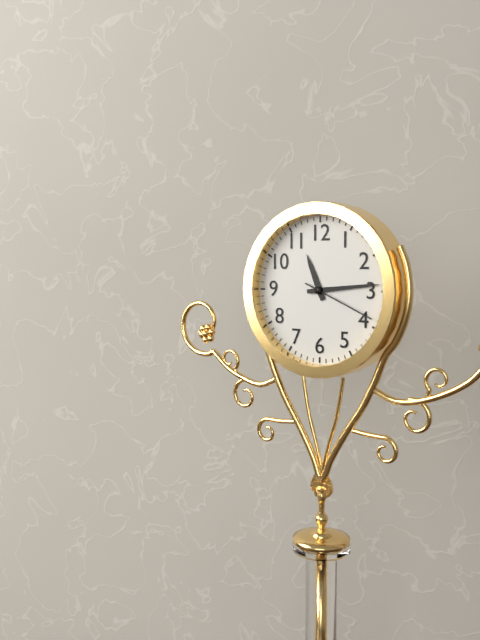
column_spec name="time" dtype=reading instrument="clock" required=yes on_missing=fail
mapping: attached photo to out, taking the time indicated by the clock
11:14:19
